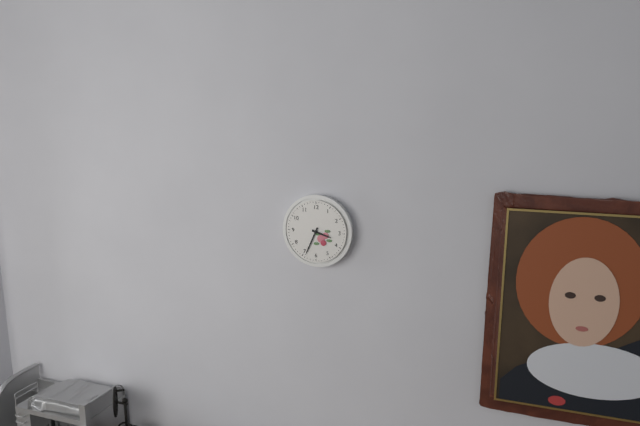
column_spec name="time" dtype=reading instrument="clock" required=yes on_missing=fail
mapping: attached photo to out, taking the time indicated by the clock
3:34
